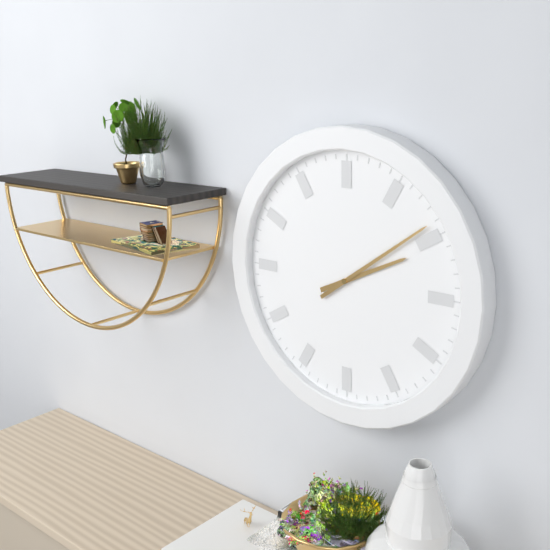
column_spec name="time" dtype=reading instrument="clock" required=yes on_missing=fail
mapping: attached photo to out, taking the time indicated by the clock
2:09
